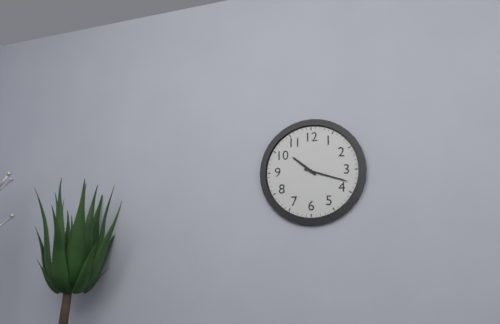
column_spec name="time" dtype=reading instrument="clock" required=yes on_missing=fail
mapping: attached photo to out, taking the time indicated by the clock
10:18
